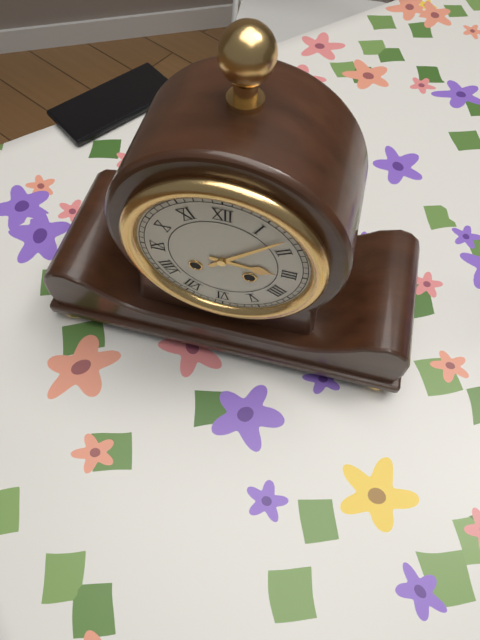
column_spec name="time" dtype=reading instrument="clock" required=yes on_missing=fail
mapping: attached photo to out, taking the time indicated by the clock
3:08
